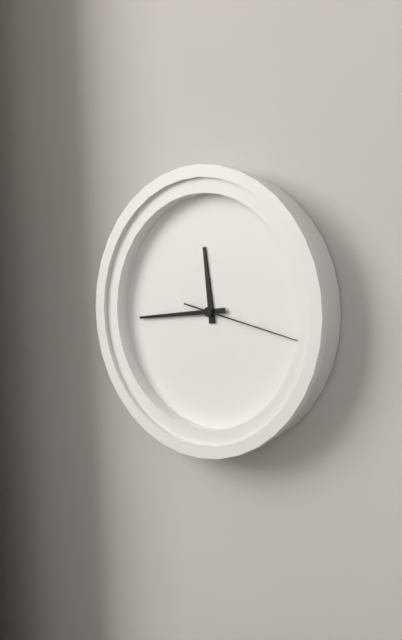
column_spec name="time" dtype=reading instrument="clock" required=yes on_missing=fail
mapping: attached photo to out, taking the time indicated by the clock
11:44:17
